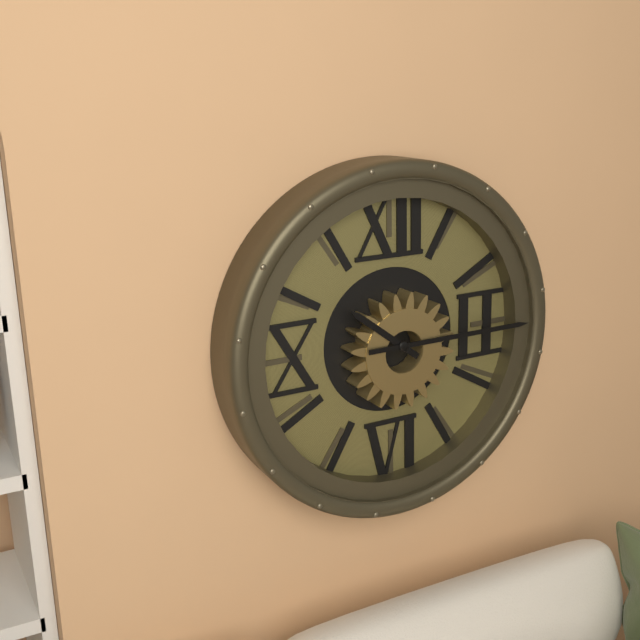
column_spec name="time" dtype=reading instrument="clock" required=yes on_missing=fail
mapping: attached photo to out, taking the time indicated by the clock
10:15
